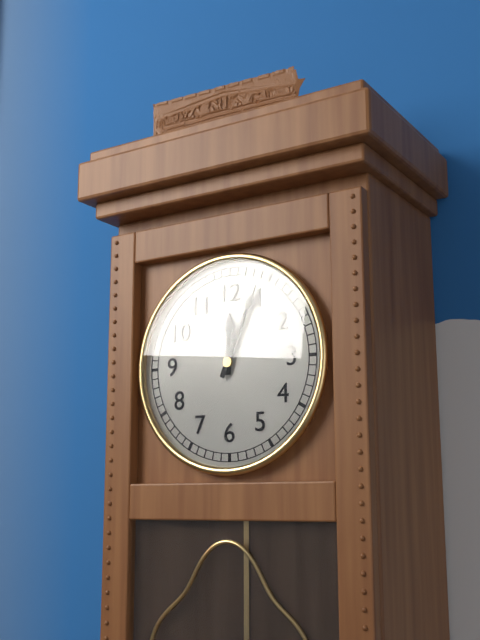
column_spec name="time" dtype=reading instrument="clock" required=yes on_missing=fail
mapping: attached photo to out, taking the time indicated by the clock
12:04
